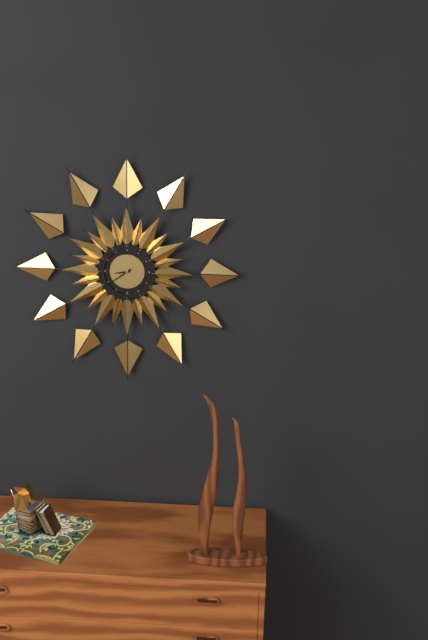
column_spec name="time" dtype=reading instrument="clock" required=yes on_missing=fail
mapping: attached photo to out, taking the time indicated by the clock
8:39
